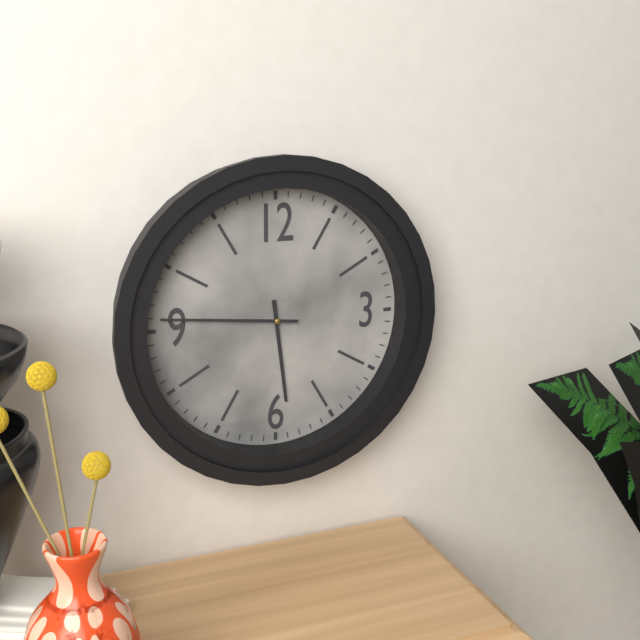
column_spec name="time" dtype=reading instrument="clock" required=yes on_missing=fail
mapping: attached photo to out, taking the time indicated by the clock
5:46
